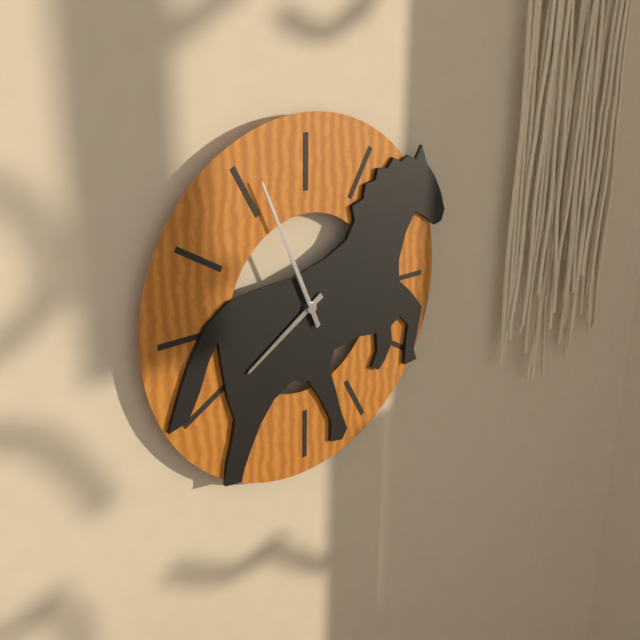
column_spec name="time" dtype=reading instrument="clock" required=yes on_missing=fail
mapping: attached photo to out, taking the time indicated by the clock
7:56
